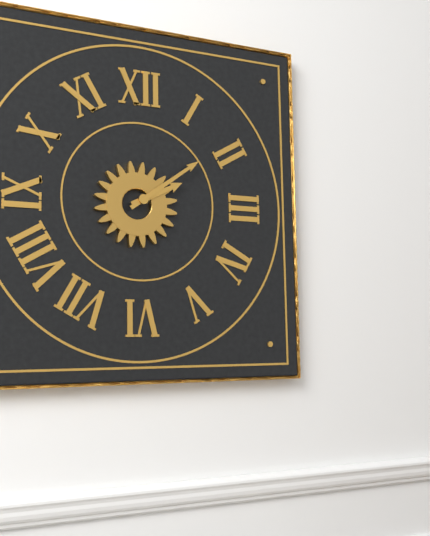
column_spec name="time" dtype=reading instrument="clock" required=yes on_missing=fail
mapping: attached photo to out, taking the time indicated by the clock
2:09
